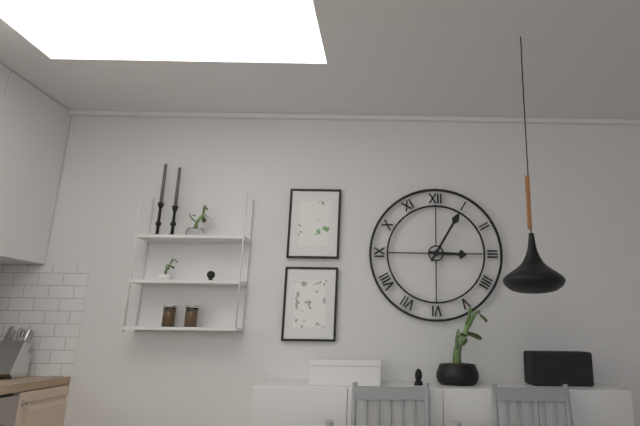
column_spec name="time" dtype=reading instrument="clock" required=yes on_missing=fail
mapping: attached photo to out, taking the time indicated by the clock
3:05
